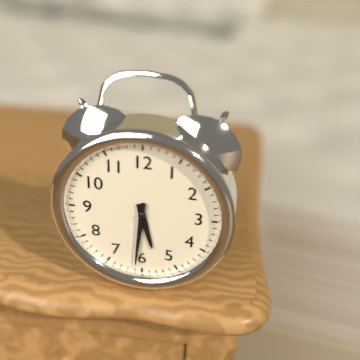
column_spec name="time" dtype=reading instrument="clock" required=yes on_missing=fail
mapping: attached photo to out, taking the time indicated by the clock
5:31
